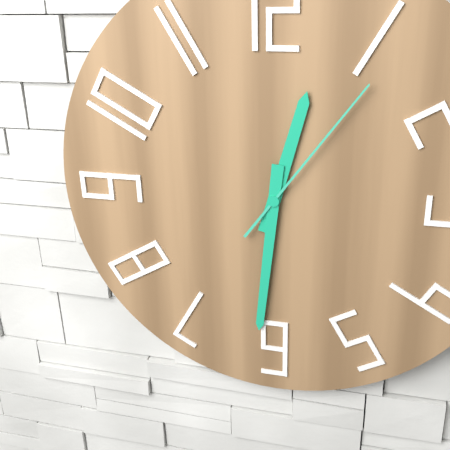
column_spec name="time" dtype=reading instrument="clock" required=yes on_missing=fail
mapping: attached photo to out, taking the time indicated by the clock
12:31:06
